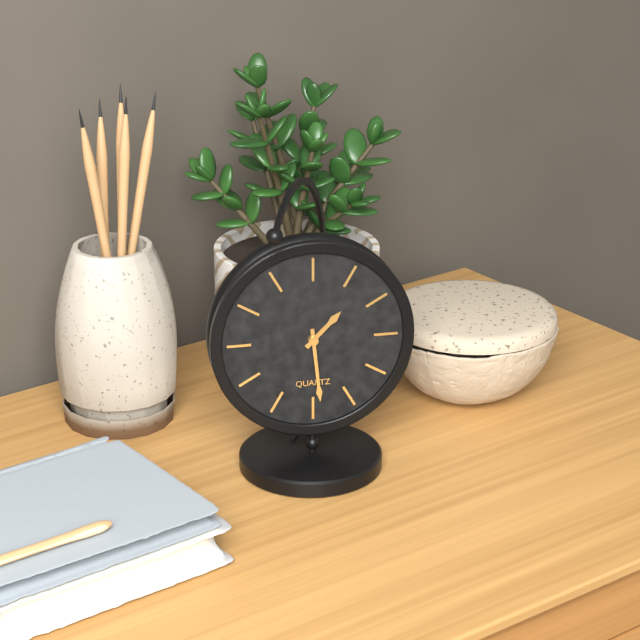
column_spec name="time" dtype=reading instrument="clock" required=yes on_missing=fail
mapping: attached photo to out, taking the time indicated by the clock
1:29
